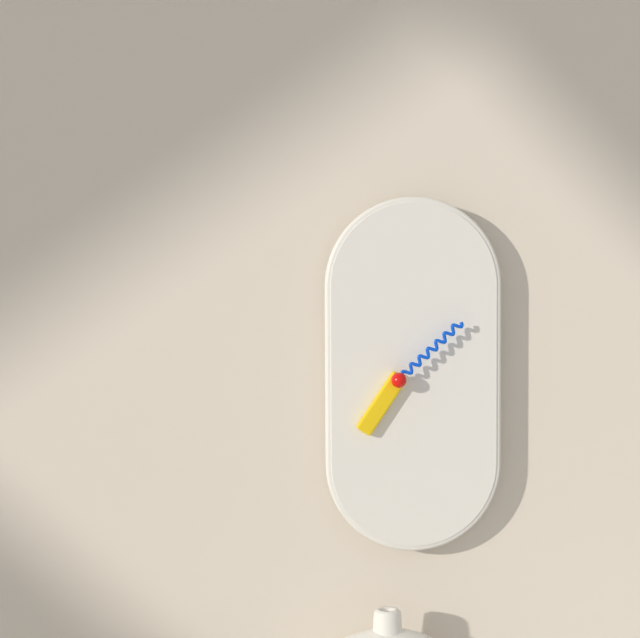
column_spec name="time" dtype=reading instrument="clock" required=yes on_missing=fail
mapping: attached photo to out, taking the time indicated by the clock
7:08
